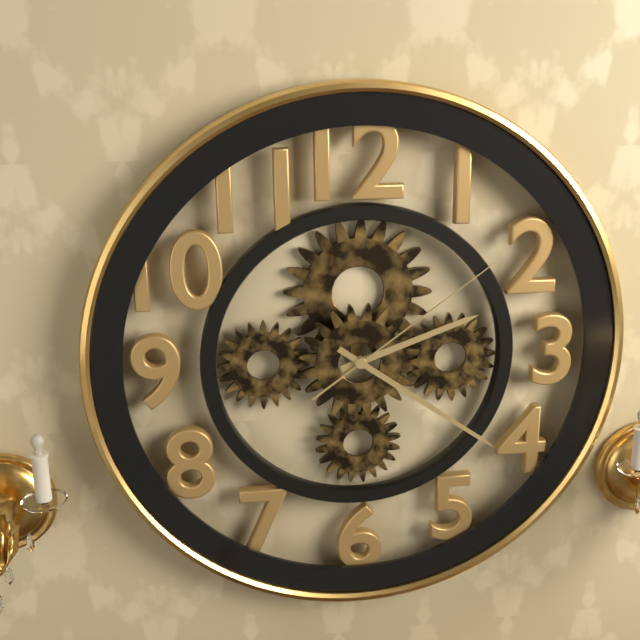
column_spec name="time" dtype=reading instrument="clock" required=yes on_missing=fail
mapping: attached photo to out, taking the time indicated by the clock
2:21:09
